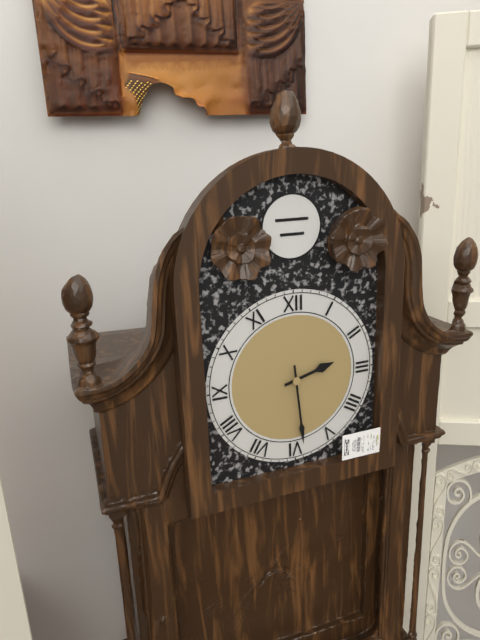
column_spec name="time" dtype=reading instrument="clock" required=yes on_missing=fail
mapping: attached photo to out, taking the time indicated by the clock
2:29
